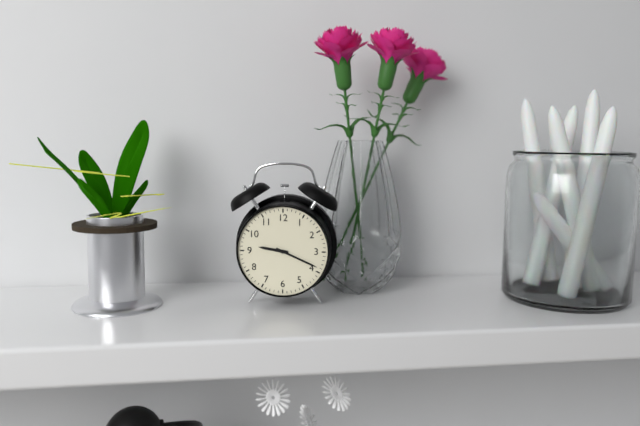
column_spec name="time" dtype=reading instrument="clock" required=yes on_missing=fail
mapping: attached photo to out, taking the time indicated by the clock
9:19
